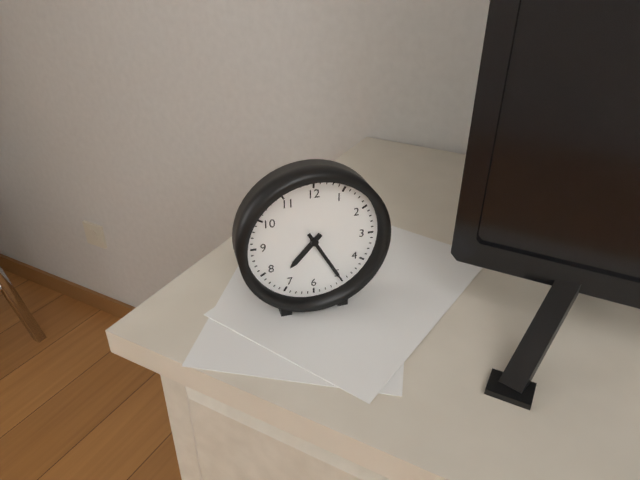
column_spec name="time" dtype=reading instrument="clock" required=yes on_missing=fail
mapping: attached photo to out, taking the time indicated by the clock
7:25
